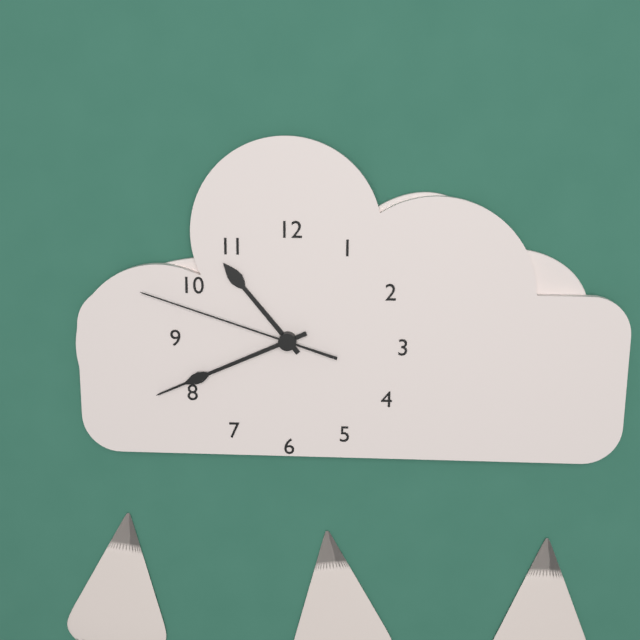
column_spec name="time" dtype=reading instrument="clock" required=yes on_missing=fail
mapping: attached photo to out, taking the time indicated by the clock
10:41:48
